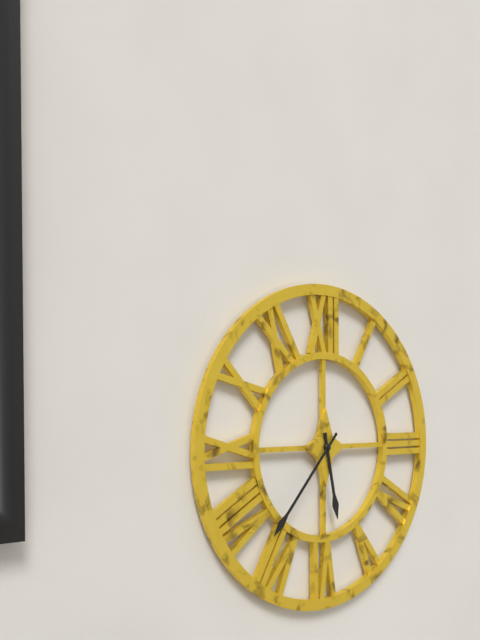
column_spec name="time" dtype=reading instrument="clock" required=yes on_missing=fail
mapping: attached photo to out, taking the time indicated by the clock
5:37
